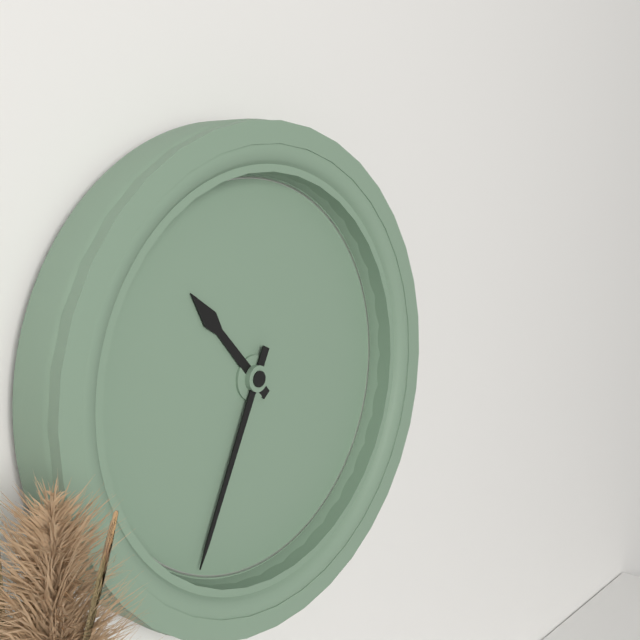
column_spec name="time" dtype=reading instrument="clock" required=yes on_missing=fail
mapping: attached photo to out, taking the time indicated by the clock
10:34
